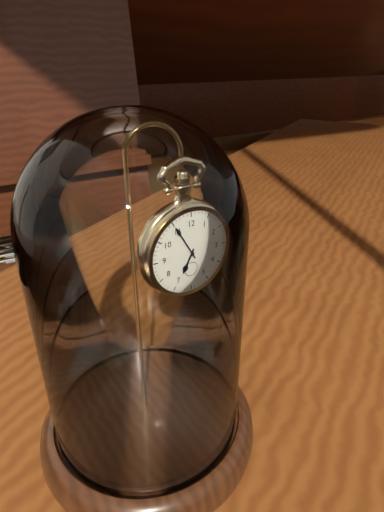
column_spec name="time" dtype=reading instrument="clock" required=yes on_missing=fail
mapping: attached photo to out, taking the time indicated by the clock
6:55
